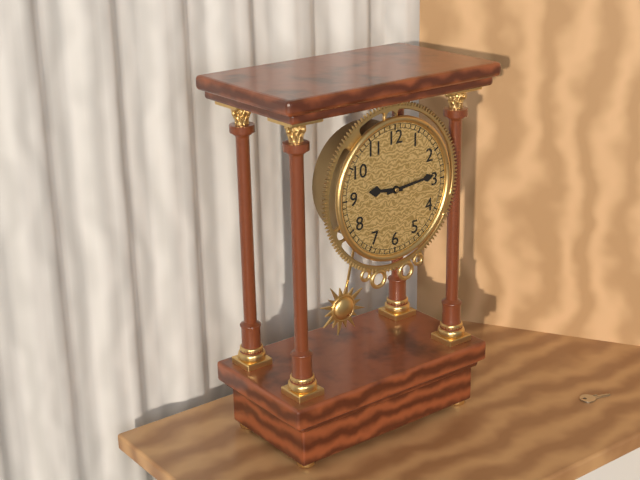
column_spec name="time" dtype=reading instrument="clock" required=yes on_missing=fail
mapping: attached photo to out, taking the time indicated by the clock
9:14
